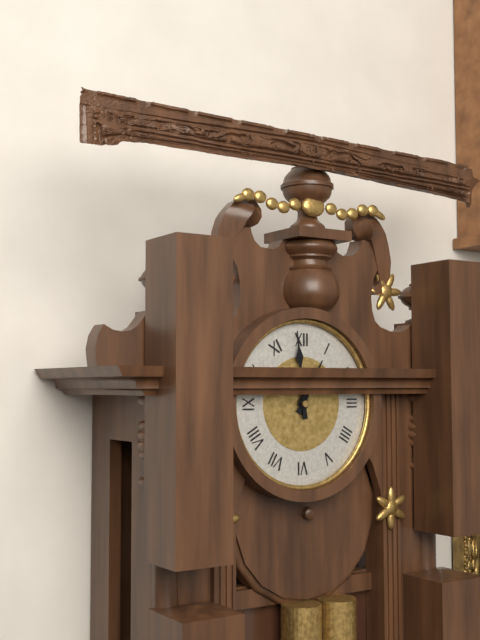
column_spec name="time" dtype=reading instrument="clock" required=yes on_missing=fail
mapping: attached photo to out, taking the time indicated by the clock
12:59
